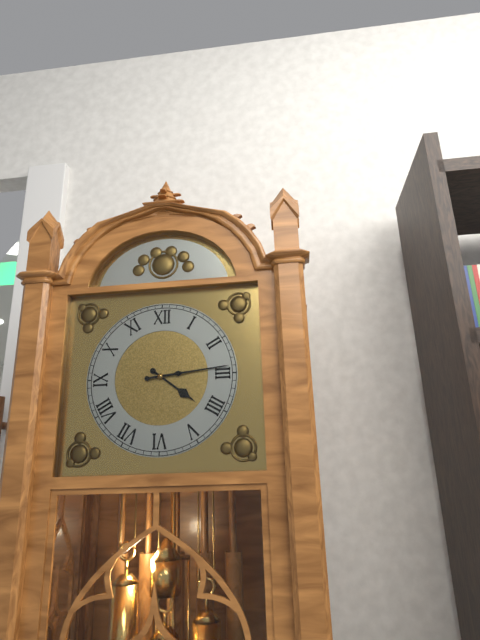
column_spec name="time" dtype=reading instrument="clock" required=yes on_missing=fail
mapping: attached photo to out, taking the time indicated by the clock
4:14
